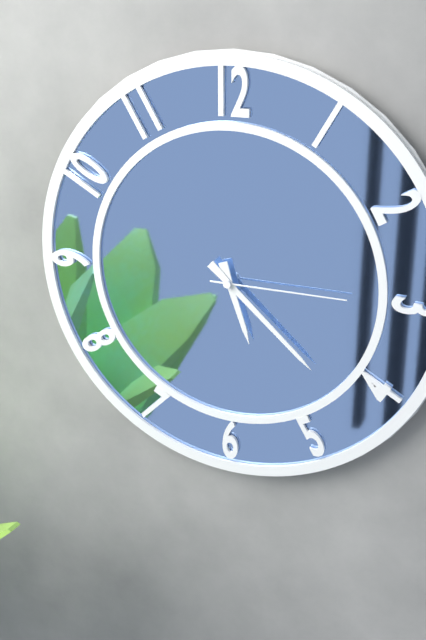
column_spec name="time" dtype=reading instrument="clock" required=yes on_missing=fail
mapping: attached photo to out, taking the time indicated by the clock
5:22:15
